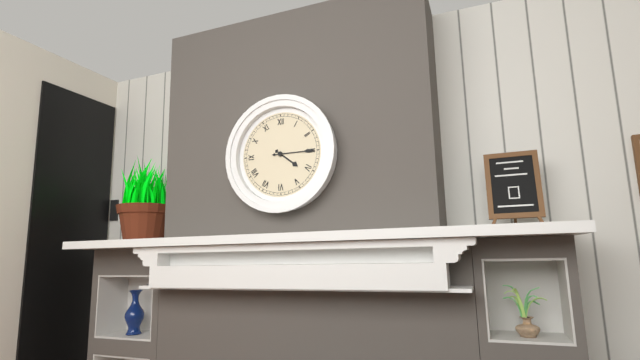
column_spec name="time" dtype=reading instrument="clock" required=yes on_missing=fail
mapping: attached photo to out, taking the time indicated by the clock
4:15
